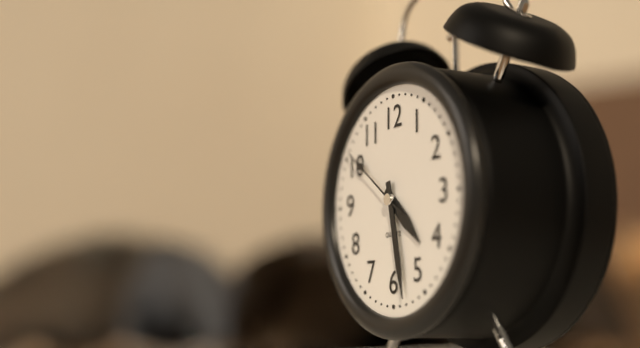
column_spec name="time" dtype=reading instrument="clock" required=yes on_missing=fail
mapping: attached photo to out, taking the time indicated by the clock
4:28:51
